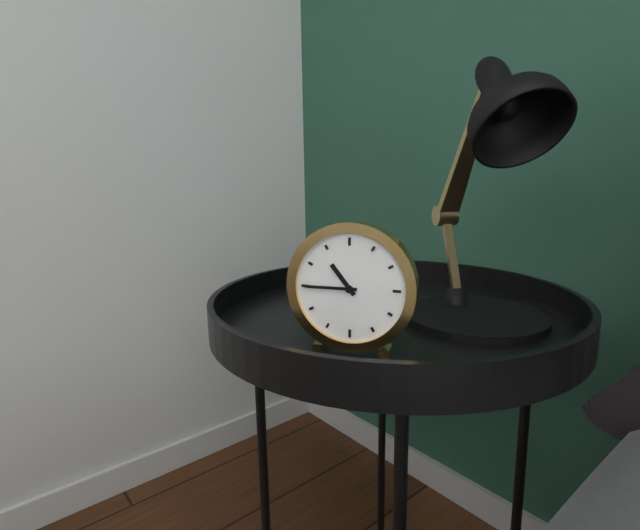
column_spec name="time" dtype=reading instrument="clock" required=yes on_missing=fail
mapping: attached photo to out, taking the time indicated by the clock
10:45
